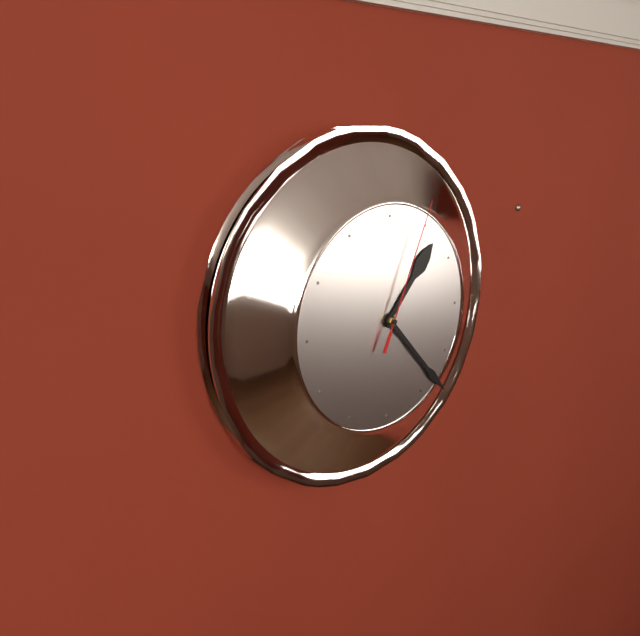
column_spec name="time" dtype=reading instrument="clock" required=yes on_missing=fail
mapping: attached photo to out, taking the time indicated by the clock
1:23:04
